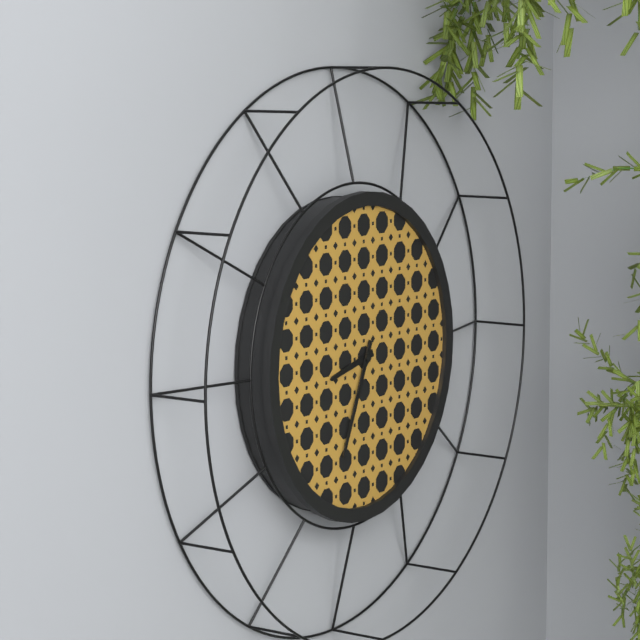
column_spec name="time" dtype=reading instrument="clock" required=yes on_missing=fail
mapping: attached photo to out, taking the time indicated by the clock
8:34
